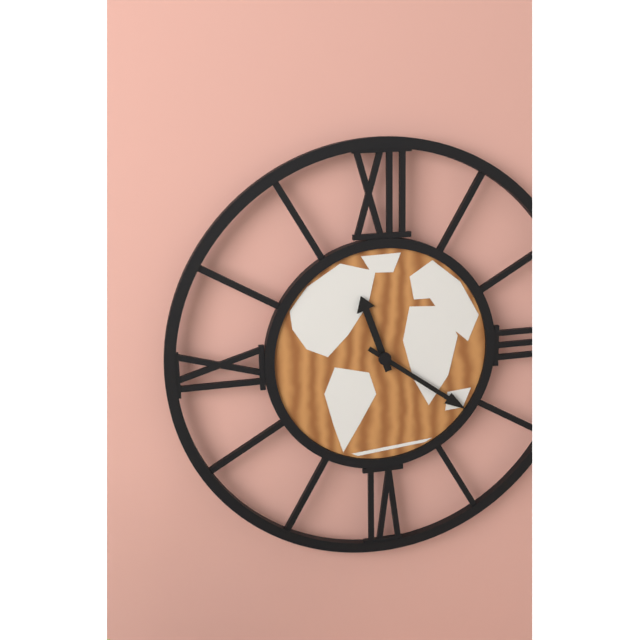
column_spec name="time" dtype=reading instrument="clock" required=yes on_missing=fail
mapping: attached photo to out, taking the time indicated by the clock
11:21
